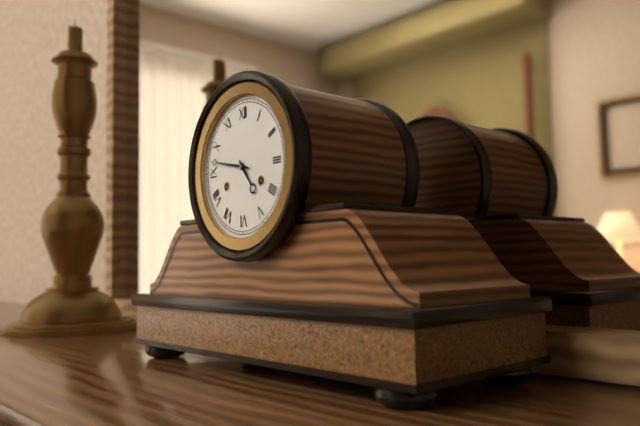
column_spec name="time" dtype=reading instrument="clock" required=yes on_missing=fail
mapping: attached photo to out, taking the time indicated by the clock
4:47
